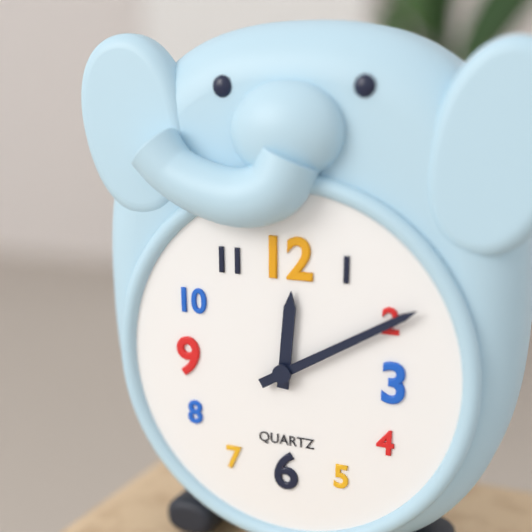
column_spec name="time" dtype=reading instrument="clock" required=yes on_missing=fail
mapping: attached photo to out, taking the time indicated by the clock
12:10
